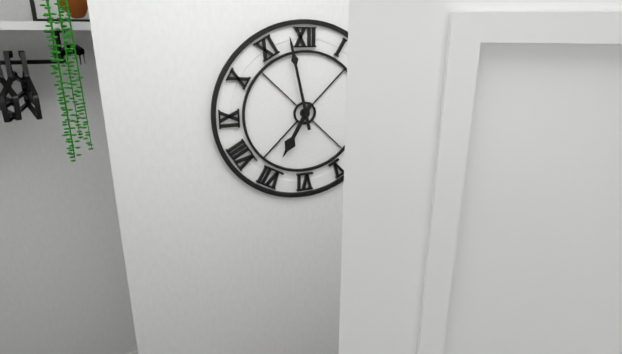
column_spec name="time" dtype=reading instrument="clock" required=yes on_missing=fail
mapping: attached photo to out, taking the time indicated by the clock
6:58
